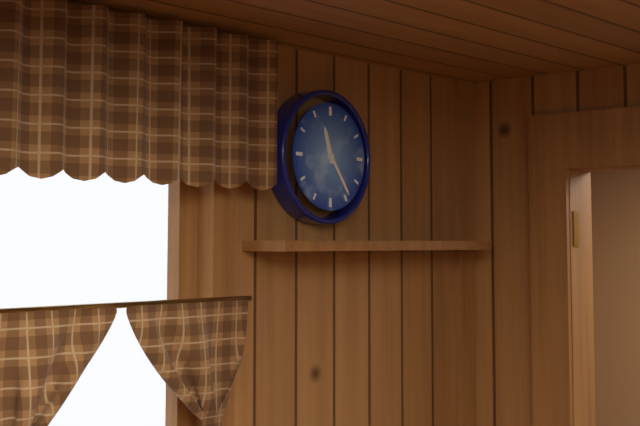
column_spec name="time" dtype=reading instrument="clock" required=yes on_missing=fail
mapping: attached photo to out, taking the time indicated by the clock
11:24
